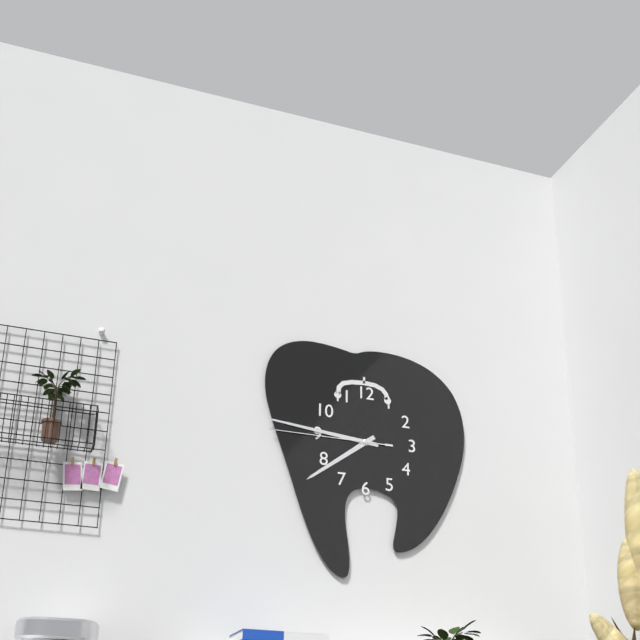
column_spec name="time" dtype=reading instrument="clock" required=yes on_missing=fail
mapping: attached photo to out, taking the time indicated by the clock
7:46:45
